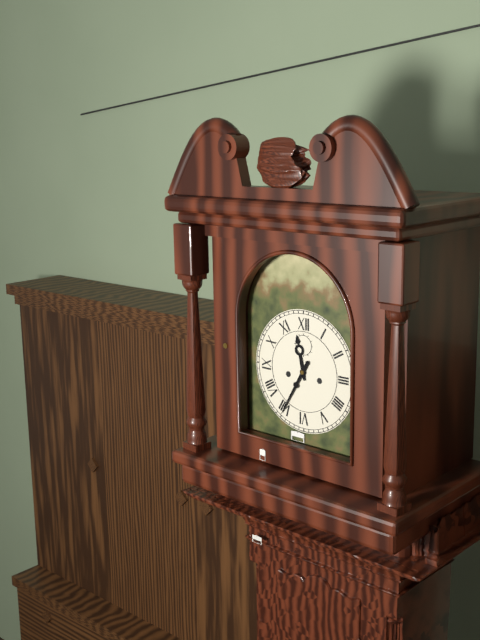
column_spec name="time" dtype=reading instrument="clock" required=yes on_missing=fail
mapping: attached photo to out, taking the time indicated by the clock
11:35
